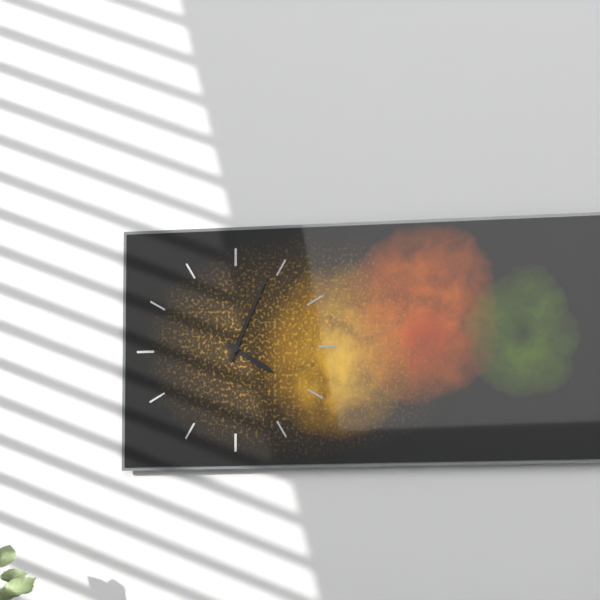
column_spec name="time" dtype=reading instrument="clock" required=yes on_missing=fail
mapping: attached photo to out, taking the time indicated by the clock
4:04
